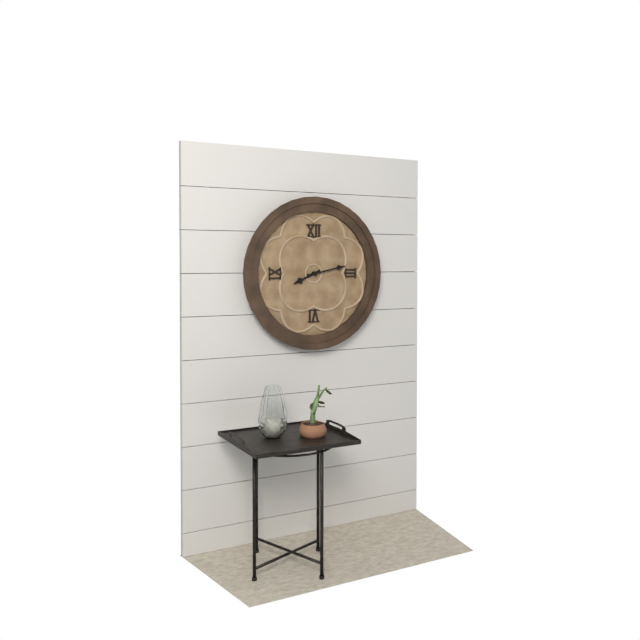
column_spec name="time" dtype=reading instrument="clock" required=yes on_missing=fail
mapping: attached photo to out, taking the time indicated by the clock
8:13
